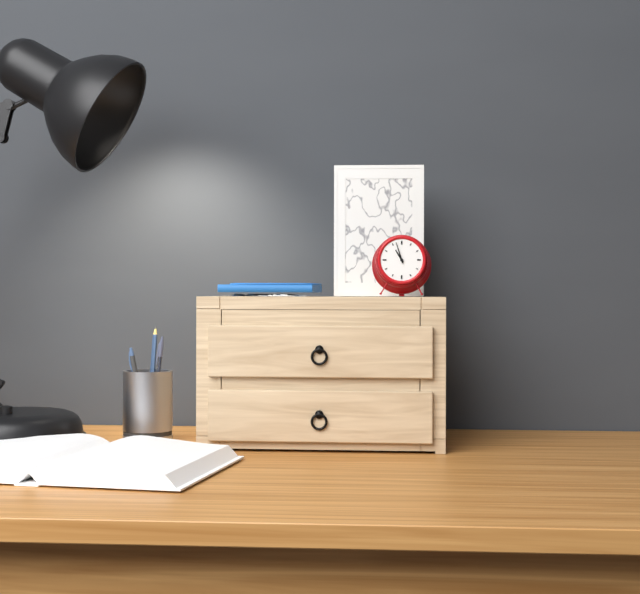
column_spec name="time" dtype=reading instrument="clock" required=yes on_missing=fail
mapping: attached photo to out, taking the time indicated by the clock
10:57
